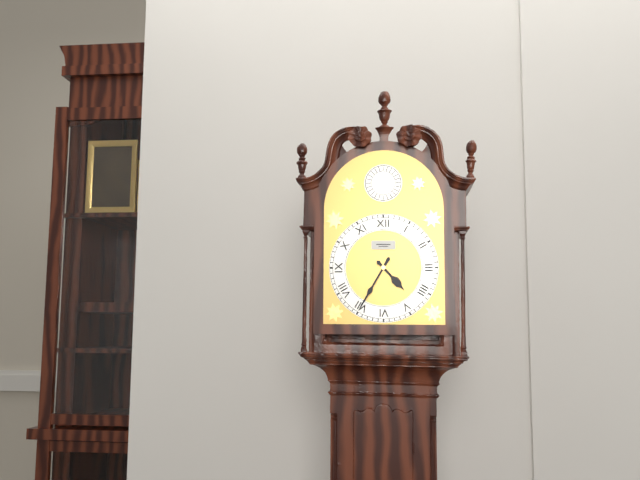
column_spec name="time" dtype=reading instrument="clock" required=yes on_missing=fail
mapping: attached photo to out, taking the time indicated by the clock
4:35
